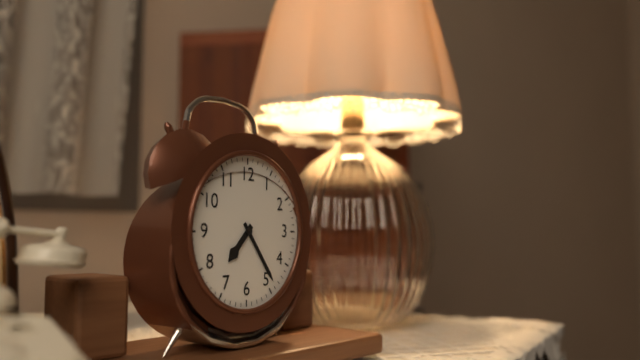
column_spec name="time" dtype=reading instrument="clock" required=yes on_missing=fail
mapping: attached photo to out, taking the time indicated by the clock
7:24
